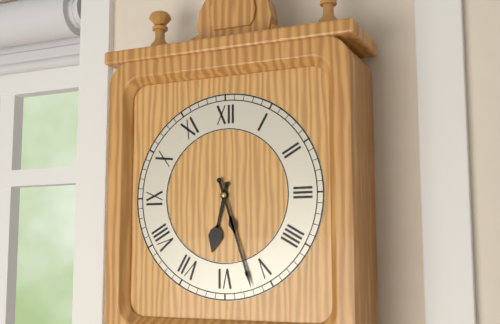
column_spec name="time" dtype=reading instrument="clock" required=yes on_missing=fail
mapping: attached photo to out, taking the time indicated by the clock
6:27
